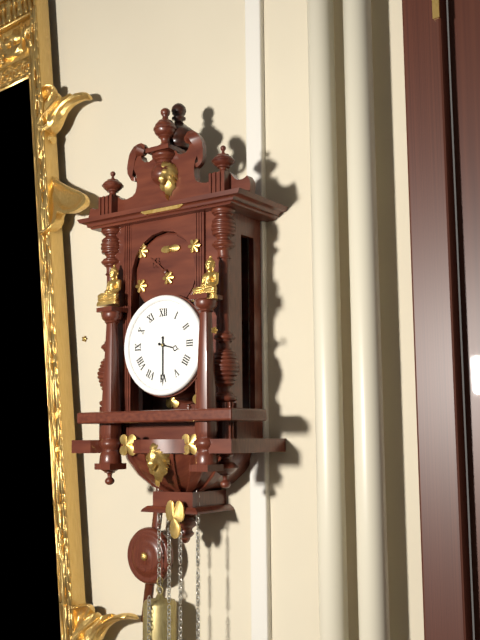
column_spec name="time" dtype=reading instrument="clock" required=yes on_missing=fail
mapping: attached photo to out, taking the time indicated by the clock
3:30
